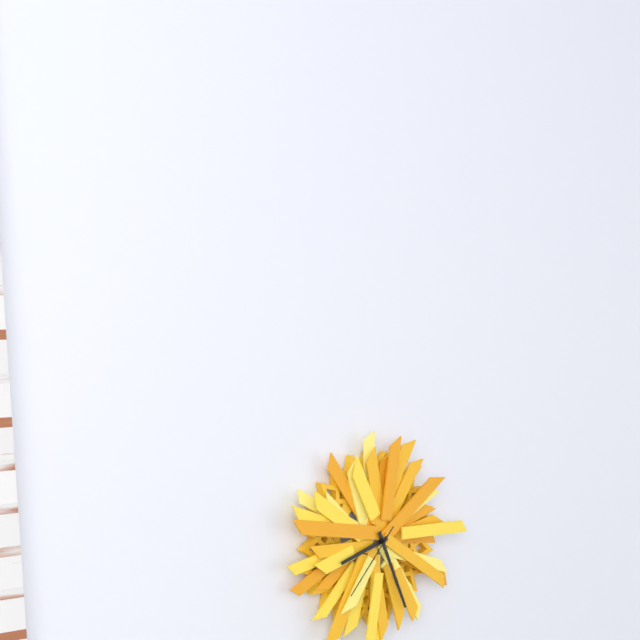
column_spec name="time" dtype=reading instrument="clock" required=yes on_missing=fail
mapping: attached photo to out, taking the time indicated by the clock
8:26:37
